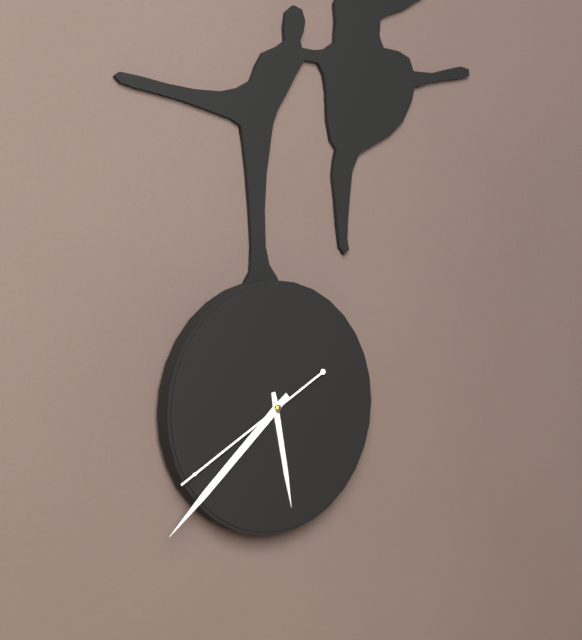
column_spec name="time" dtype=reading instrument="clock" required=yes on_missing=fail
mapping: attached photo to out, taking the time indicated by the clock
5:38:40
